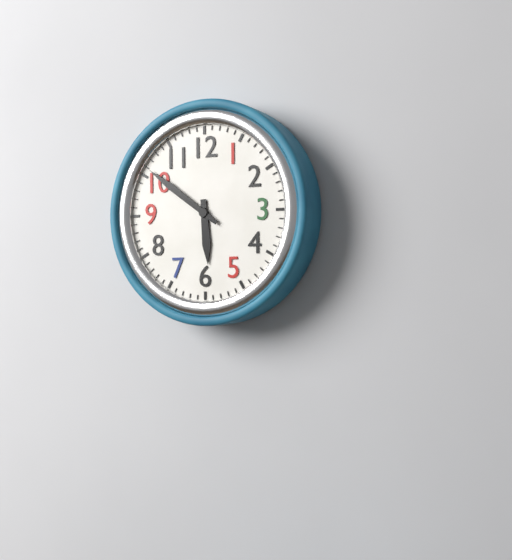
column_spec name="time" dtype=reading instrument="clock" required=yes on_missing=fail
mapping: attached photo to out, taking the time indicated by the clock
5:51
